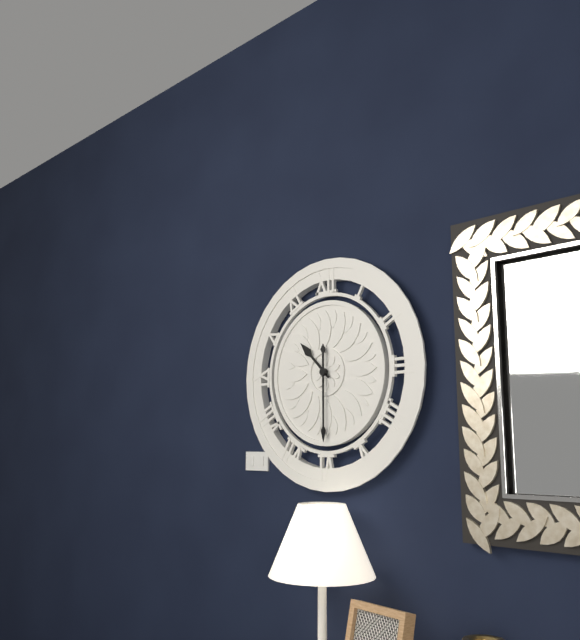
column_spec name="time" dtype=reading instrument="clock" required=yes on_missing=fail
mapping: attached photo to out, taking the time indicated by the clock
10:30
